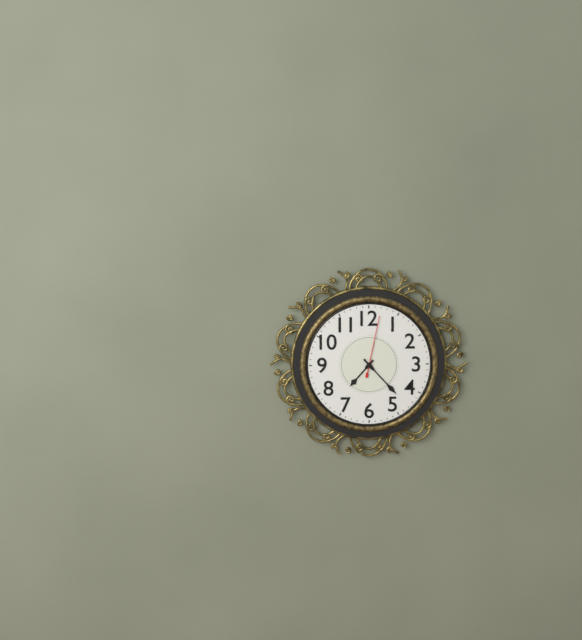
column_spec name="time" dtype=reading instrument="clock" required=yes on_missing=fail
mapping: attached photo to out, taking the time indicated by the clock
7:23:02
